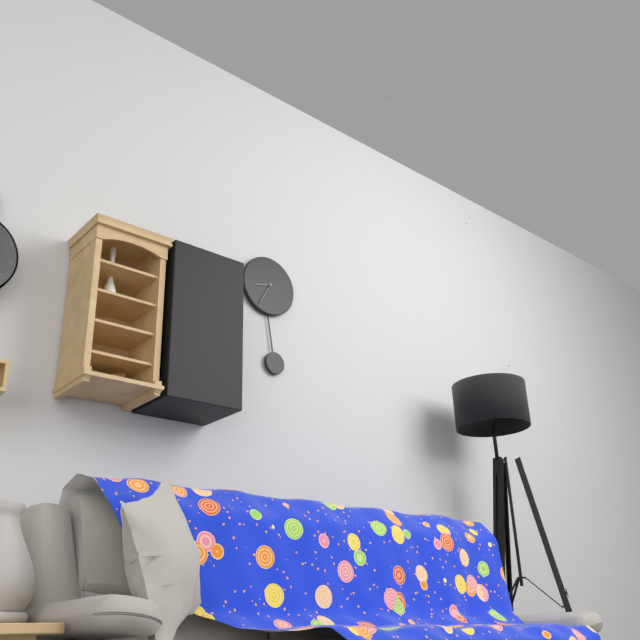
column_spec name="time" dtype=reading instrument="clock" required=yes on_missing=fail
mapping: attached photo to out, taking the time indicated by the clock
8:35
